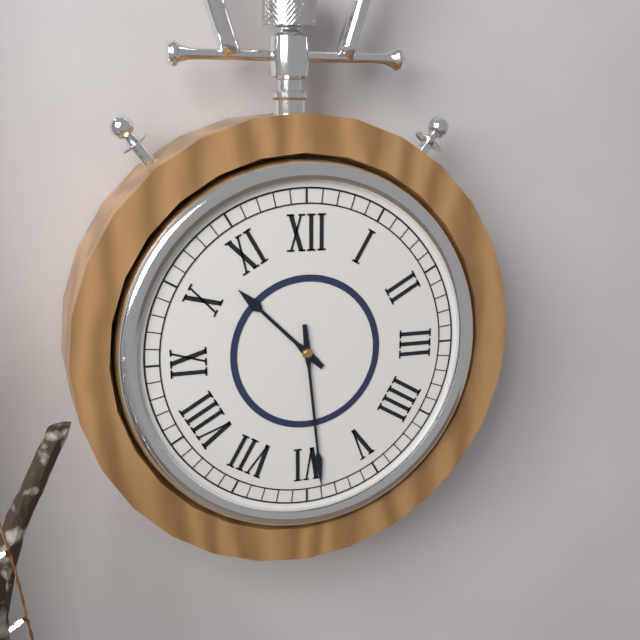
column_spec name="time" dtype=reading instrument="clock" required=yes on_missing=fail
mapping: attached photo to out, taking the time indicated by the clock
10:29
